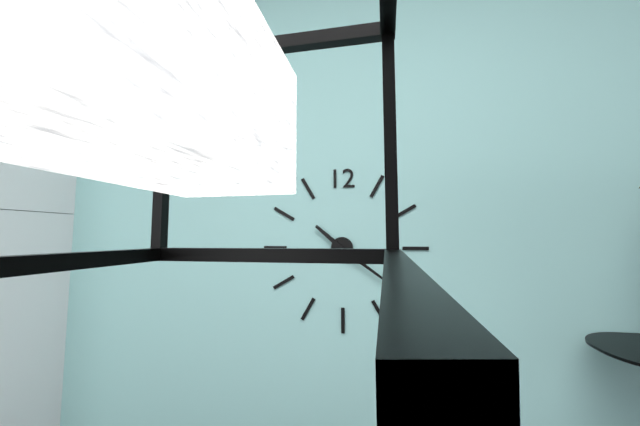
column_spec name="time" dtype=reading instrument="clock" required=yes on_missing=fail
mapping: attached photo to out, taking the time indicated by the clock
10:21
